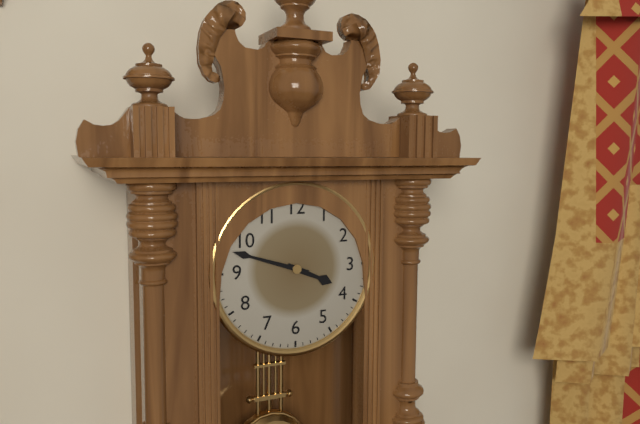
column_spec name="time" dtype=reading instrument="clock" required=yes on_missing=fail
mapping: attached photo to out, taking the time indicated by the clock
3:48
